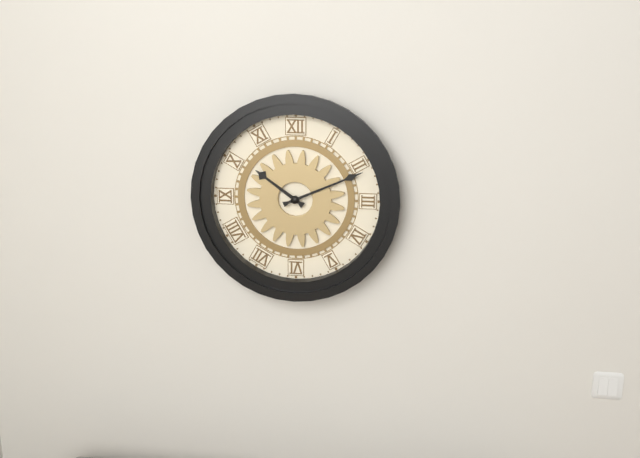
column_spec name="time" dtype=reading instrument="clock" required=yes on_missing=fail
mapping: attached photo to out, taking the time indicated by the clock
10:11
